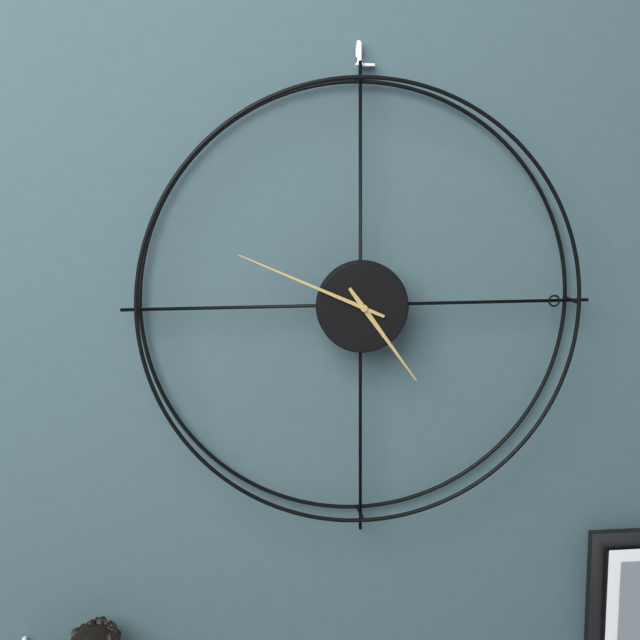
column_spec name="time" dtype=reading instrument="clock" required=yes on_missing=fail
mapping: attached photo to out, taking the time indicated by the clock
4:49
